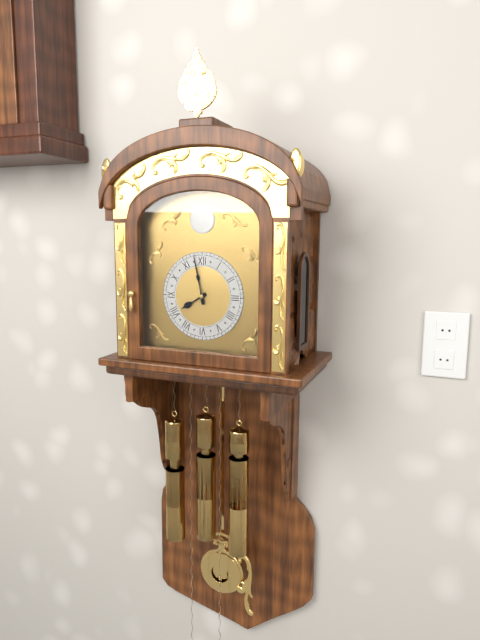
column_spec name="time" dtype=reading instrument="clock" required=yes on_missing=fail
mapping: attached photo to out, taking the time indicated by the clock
7:58
